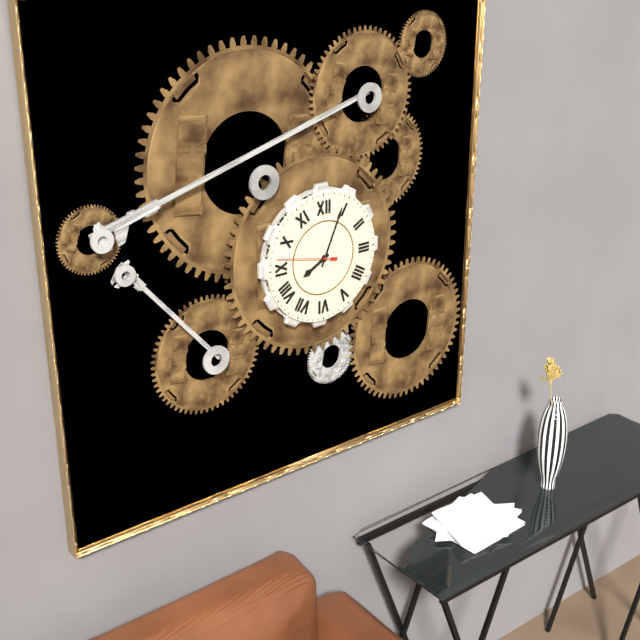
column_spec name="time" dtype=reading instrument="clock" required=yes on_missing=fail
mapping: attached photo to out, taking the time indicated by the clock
8:04:47
